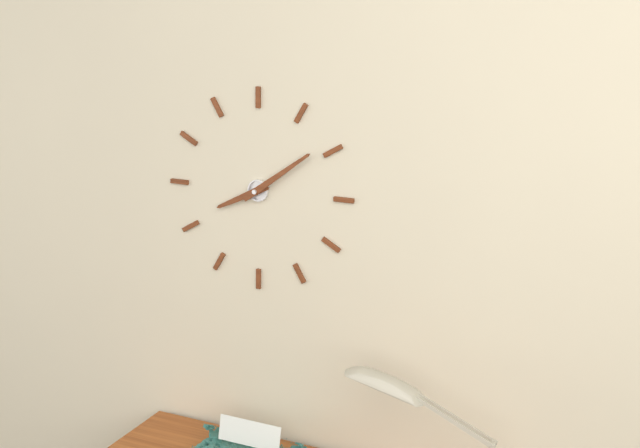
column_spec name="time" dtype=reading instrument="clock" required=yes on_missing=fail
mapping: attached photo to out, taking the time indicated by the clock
8:09
